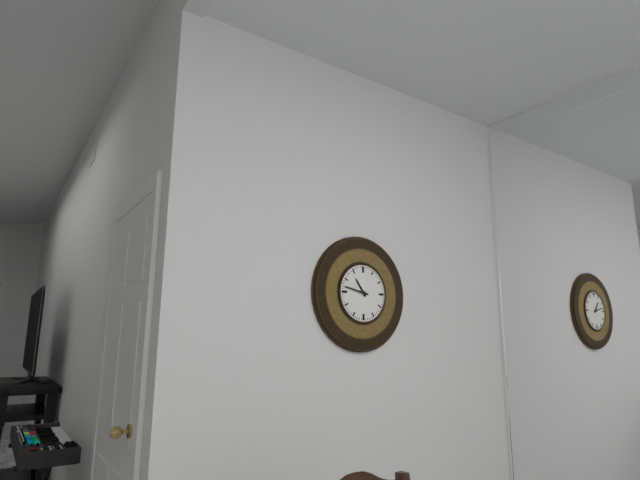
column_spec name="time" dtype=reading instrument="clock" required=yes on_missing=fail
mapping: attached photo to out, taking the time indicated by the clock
10:47
